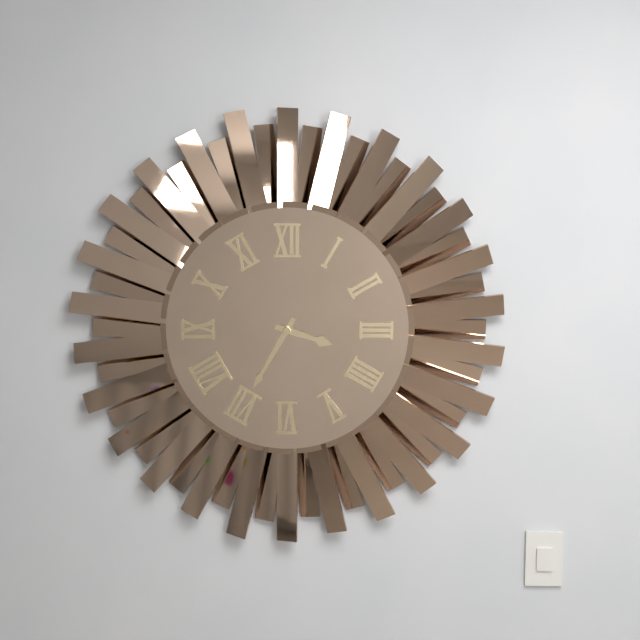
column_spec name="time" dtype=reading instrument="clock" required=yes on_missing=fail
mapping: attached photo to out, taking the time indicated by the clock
3:35
